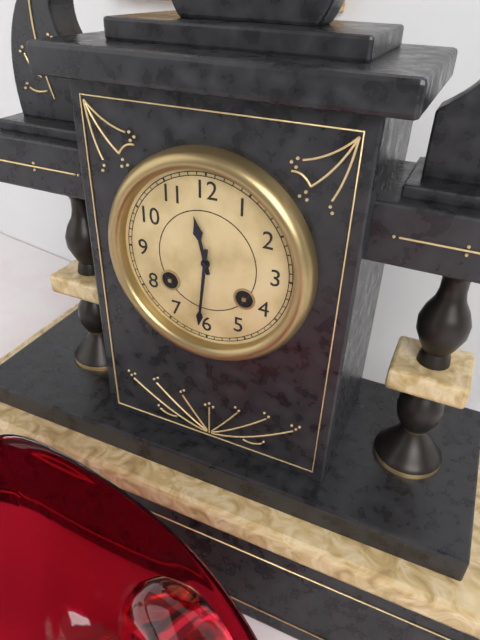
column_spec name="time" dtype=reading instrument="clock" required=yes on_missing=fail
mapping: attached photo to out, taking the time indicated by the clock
11:31
